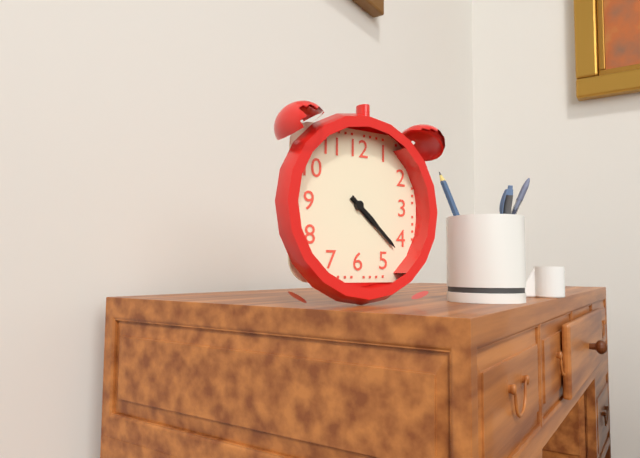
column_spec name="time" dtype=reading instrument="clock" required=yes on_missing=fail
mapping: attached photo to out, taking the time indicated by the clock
4:22
